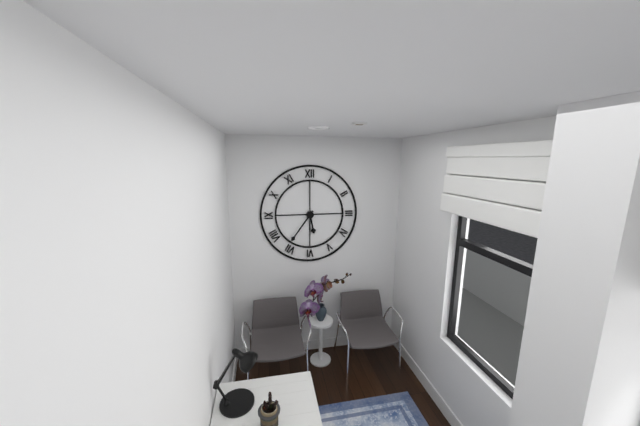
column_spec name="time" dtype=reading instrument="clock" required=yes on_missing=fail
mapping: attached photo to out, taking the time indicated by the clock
5:36
